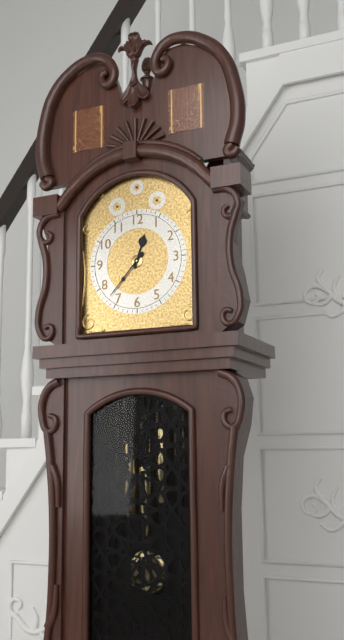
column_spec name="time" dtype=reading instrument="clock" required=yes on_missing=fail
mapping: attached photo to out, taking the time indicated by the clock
12:37
